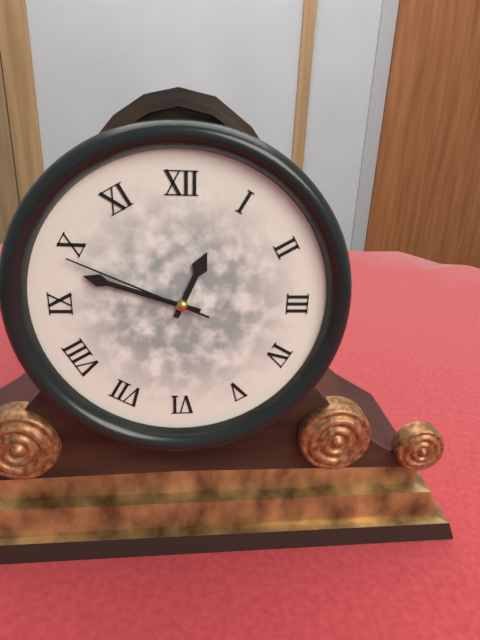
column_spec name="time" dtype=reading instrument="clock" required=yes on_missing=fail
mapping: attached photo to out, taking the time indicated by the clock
12:48:49
